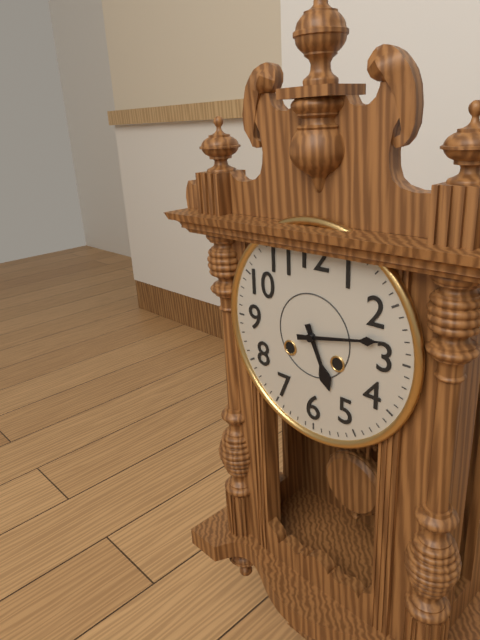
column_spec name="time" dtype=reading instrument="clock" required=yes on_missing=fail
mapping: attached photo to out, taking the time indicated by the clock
5:13
